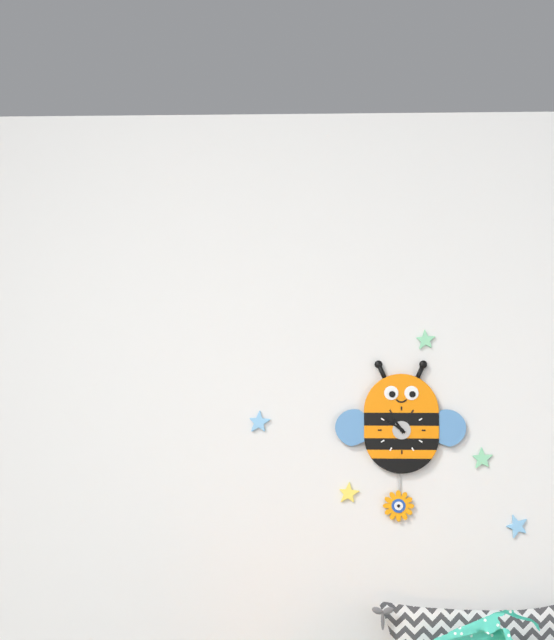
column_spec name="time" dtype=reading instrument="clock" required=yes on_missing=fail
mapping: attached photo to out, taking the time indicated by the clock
10:51
